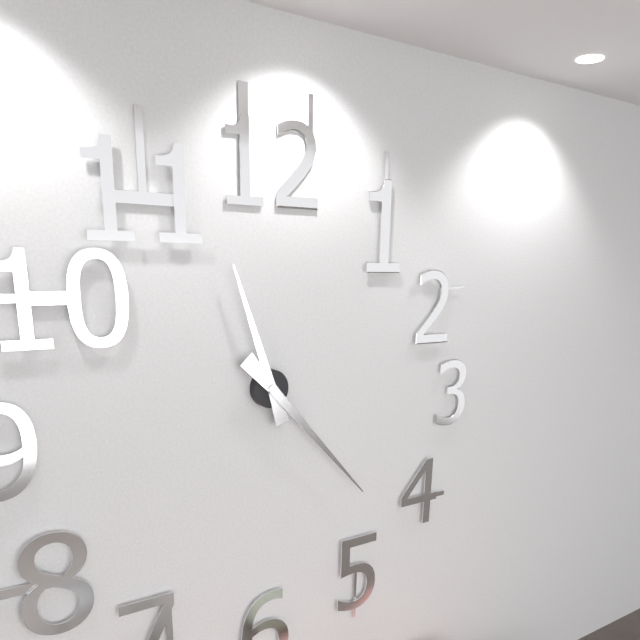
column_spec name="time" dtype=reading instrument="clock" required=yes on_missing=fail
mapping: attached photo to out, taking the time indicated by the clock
11:23
